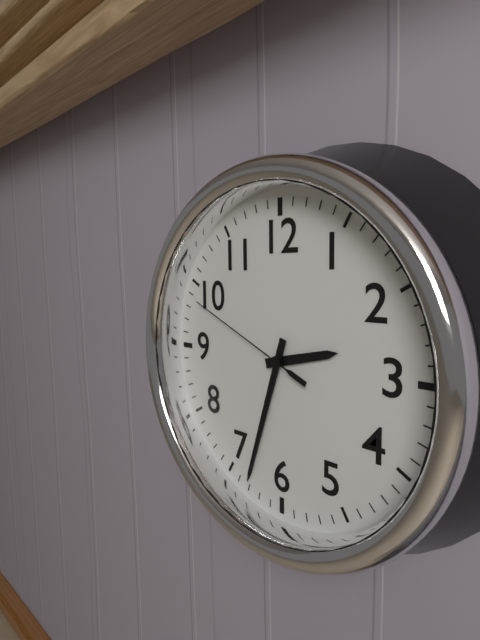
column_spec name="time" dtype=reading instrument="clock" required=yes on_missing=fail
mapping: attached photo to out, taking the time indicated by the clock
2:33:49
